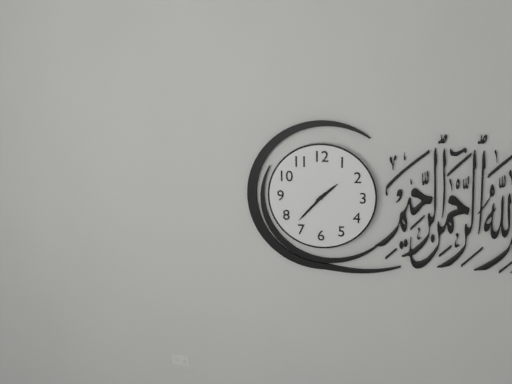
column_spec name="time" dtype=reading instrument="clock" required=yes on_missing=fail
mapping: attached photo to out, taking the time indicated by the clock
1:37
